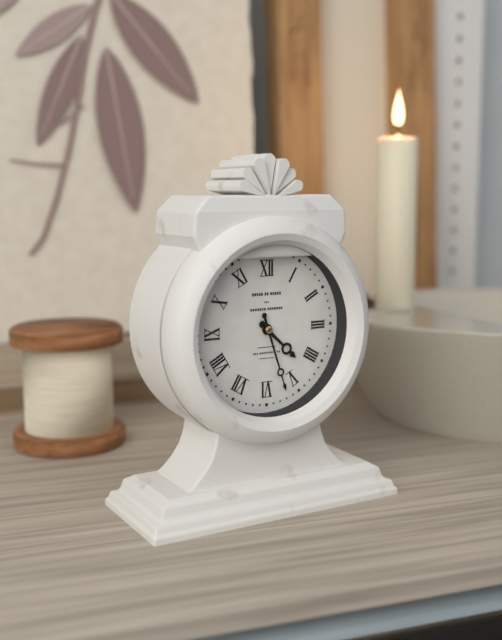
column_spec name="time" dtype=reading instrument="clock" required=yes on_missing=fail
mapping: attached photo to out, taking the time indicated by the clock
4:27
